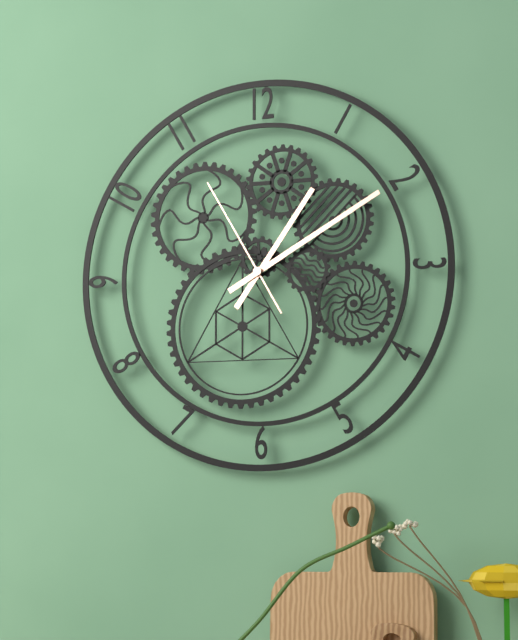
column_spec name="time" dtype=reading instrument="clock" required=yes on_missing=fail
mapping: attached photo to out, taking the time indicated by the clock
1:10:55
